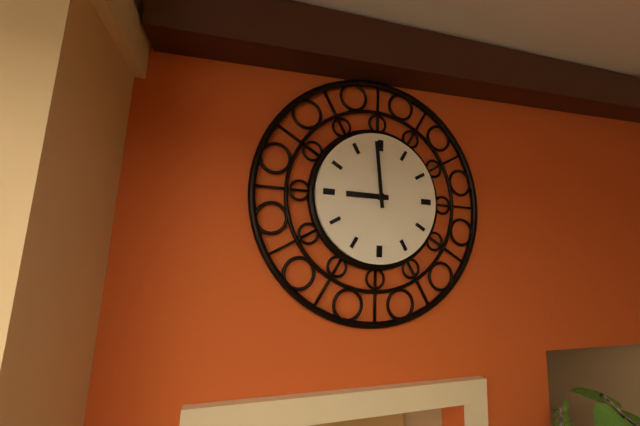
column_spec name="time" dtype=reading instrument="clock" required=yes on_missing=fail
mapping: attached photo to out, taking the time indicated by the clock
8:59
